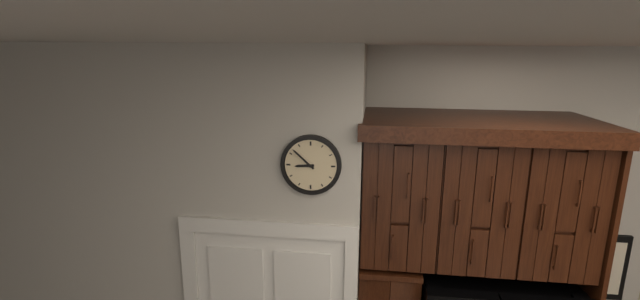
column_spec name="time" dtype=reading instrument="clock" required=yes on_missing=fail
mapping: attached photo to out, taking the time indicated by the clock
8:52
